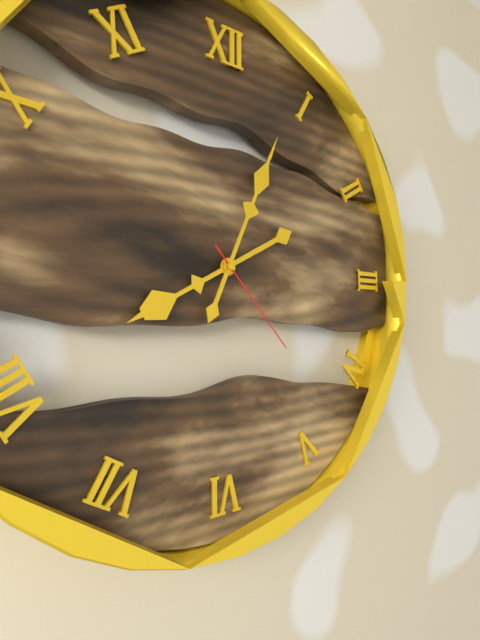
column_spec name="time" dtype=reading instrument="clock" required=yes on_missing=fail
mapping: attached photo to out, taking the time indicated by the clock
8:04:23
